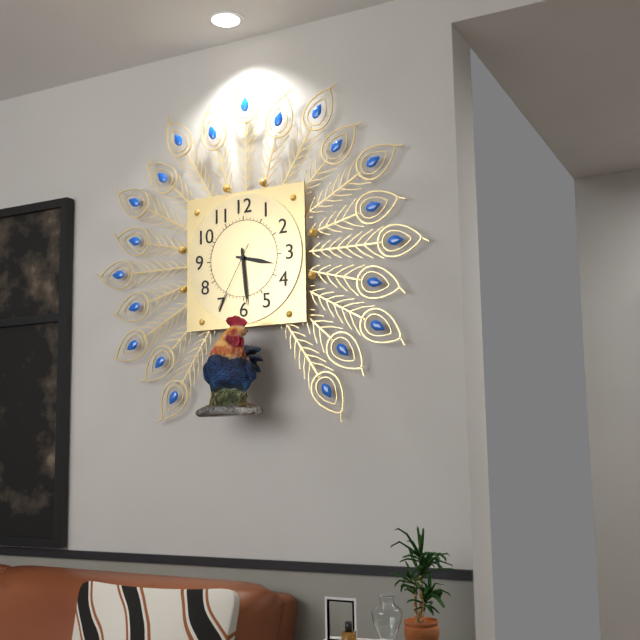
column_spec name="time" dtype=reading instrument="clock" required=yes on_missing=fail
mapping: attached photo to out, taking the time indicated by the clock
3:29:35
